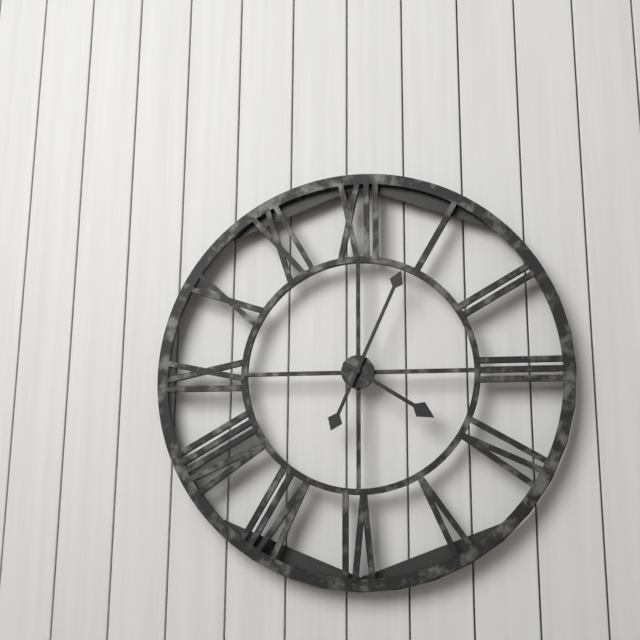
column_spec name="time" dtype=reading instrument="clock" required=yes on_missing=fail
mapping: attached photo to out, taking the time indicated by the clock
4:04
